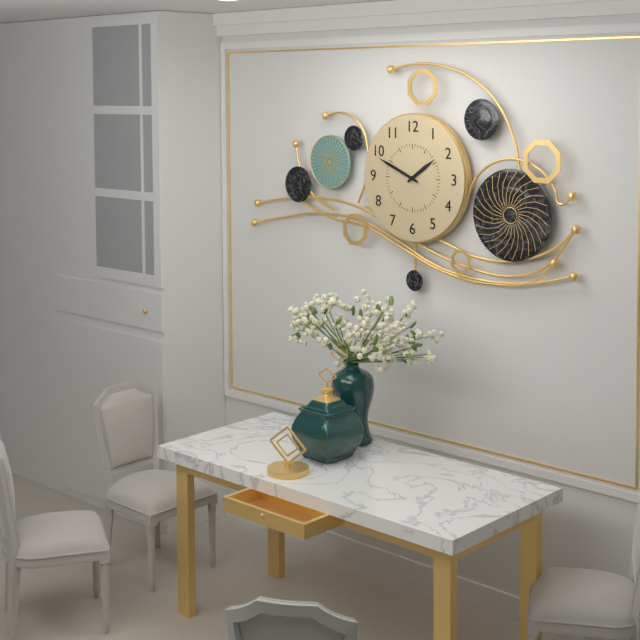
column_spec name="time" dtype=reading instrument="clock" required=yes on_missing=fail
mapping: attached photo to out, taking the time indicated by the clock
1:49
